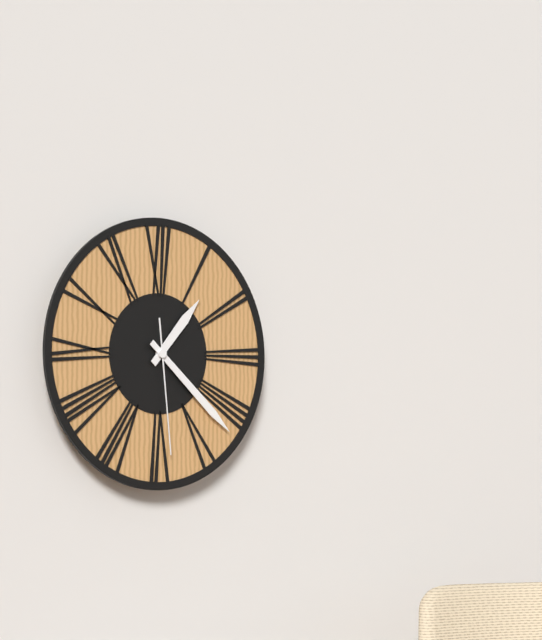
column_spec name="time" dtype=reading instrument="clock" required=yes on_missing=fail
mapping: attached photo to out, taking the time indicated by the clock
1:22:29
